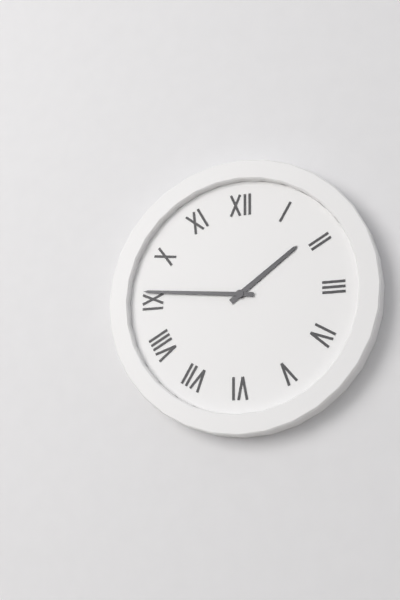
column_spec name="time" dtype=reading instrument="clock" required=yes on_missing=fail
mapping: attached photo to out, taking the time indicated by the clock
1:46
